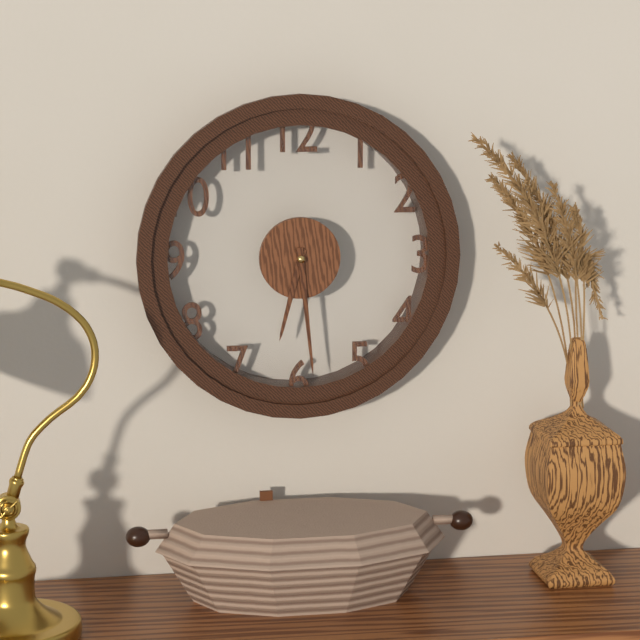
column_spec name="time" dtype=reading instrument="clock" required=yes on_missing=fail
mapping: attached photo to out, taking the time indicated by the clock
6:29
